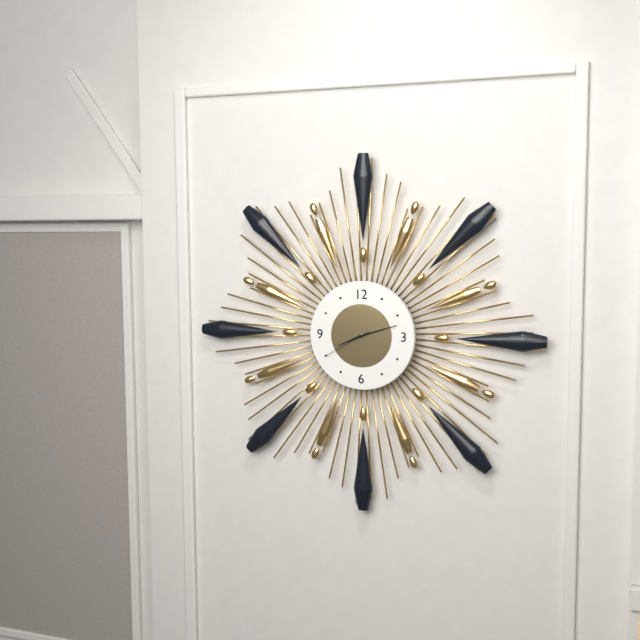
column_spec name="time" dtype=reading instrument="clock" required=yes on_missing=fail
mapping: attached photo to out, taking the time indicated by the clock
8:12:40
